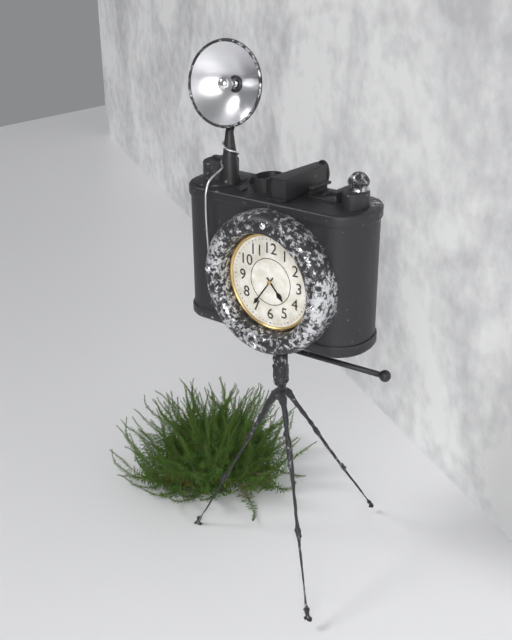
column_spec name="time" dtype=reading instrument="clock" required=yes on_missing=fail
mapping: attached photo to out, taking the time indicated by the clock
4:36
